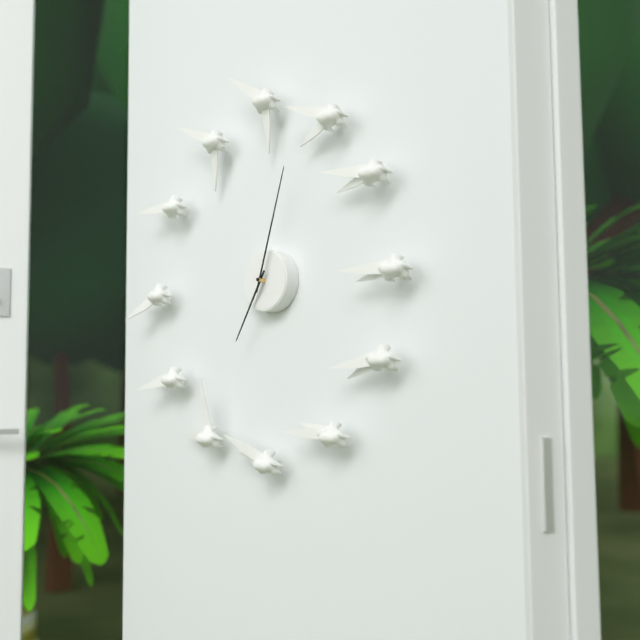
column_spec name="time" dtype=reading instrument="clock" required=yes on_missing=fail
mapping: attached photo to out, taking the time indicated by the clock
7:03
